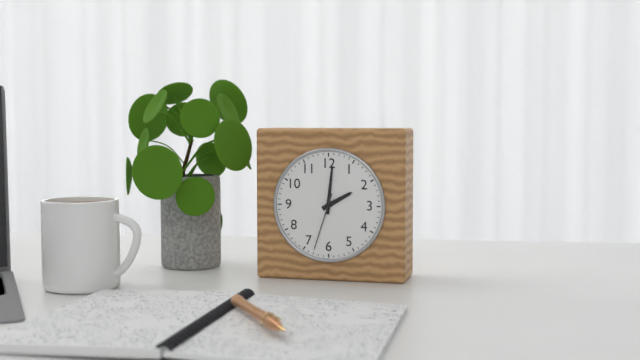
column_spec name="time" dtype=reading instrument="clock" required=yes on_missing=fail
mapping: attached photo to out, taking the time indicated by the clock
2:01:33
